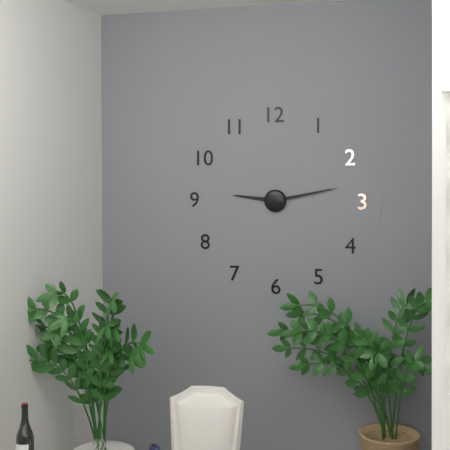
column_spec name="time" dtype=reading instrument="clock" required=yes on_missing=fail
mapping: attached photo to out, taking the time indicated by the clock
9:13
